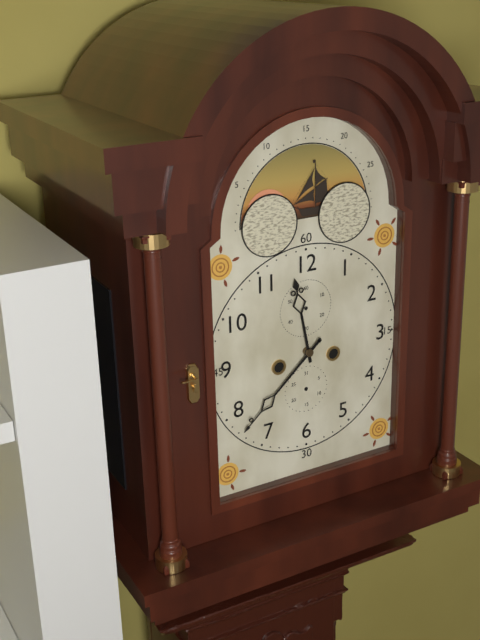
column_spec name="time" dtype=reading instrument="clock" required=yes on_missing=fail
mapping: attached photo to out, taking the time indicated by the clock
11:38
